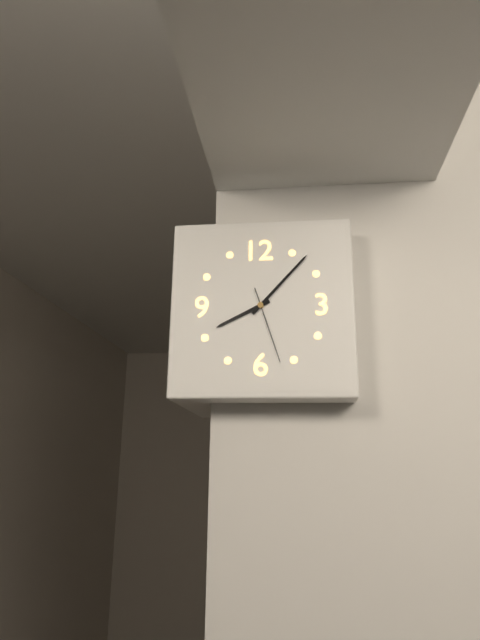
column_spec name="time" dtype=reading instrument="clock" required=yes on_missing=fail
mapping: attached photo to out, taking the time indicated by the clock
8:07:27
